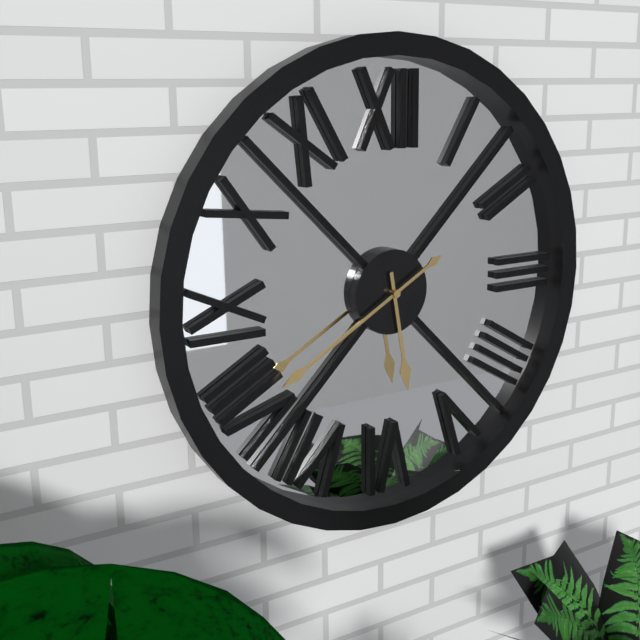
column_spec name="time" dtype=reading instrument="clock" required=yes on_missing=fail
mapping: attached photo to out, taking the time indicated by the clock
5:40
